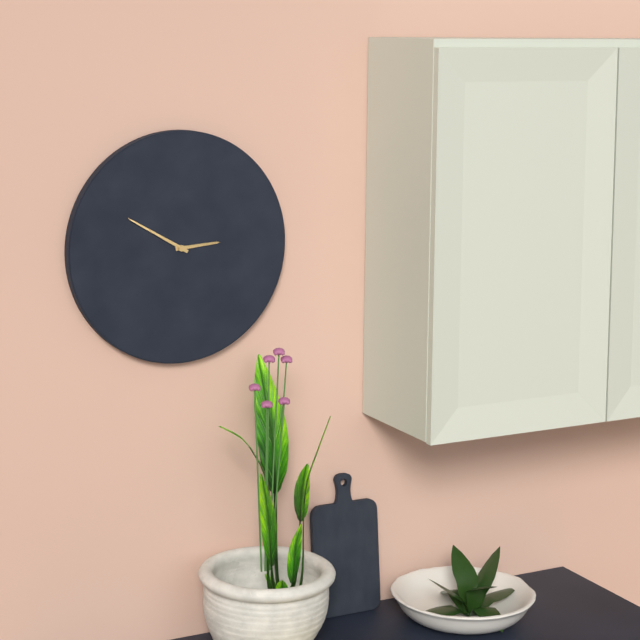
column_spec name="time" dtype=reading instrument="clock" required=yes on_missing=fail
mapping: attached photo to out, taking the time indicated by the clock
2:50
